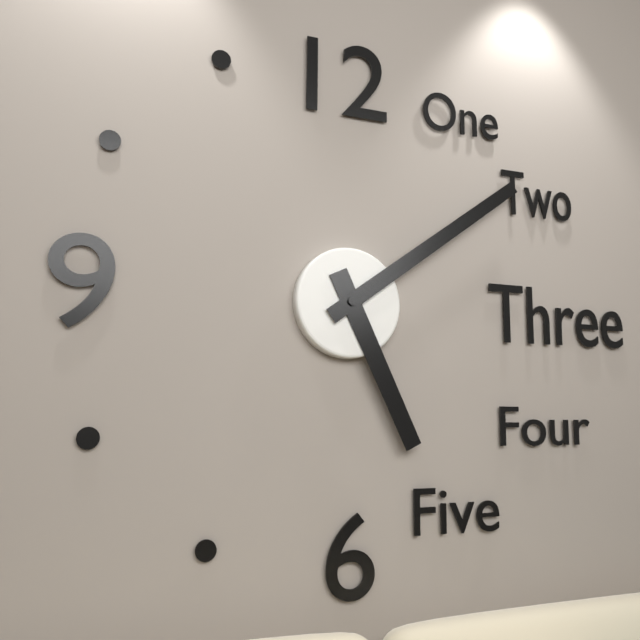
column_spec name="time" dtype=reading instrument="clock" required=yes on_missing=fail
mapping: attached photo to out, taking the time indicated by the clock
5:09
